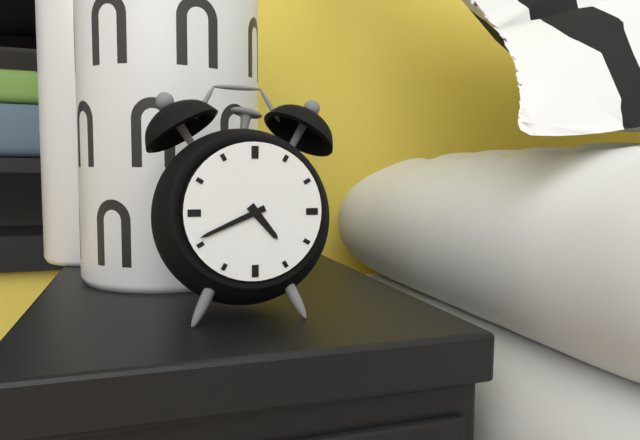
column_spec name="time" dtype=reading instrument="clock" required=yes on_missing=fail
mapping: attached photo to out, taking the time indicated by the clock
4:41
